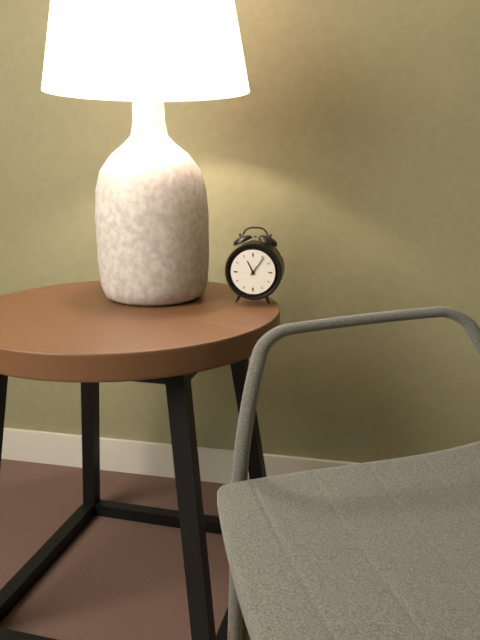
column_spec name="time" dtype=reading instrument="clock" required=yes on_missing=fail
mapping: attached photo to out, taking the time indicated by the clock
11:06
